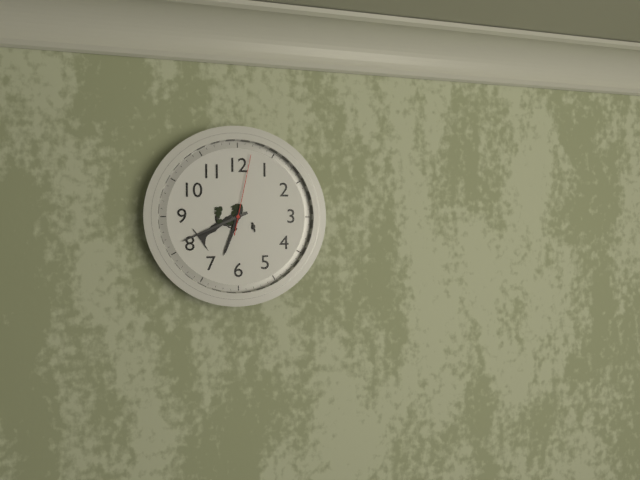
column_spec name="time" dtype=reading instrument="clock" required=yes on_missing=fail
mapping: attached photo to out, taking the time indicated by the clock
6:41:02
